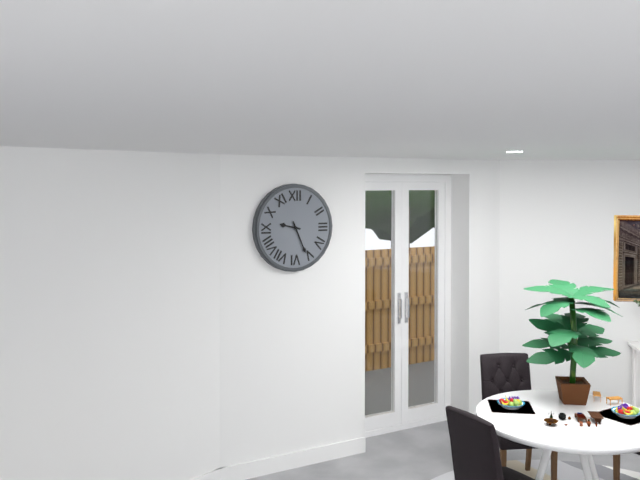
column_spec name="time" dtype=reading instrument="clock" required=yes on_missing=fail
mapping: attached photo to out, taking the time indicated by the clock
9:26
